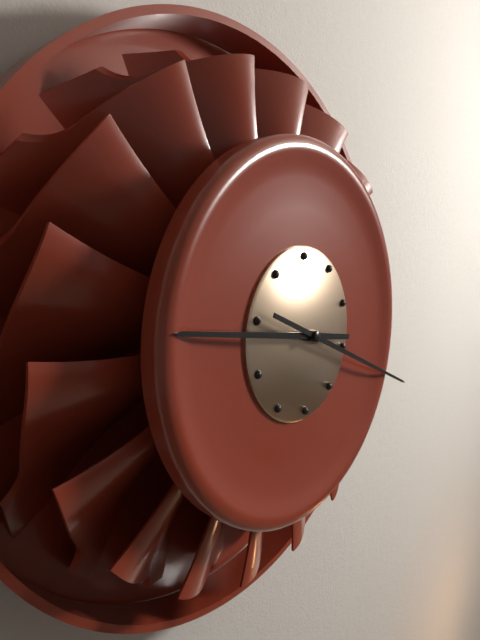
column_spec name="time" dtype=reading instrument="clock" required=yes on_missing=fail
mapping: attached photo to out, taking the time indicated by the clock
9:19
